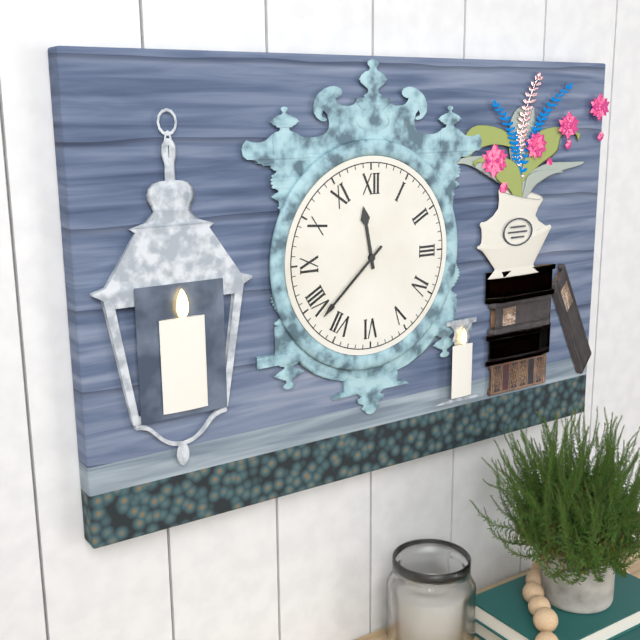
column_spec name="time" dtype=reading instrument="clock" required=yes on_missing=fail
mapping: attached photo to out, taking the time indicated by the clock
11:38
